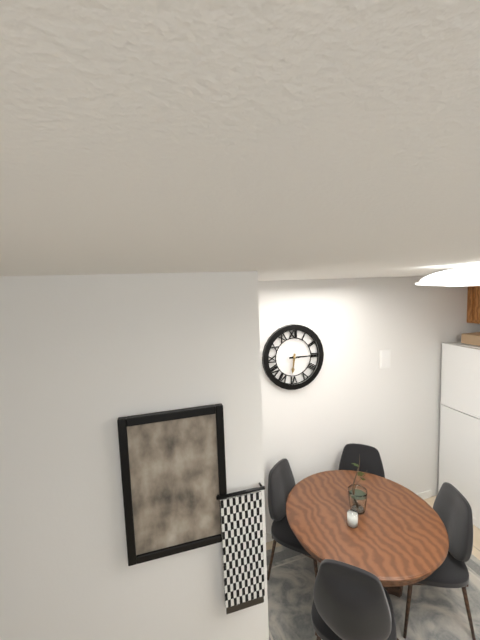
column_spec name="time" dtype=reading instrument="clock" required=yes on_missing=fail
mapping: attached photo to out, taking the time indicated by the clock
6:15
